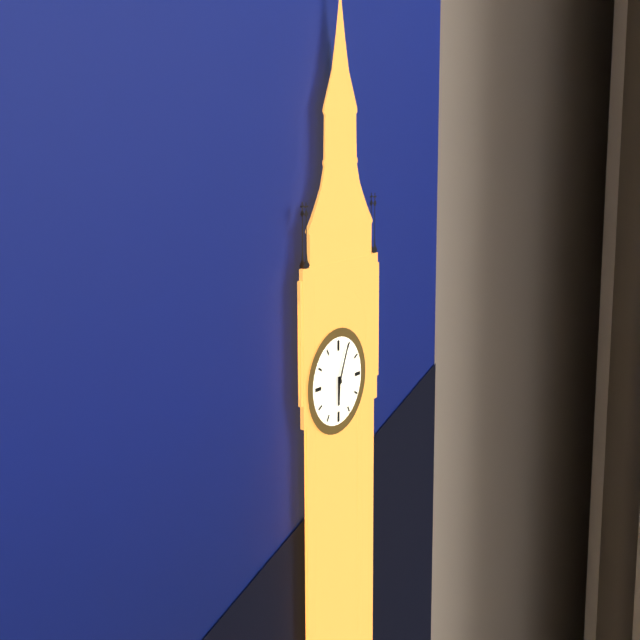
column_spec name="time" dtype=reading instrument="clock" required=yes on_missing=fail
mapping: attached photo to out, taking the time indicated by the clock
6:04
